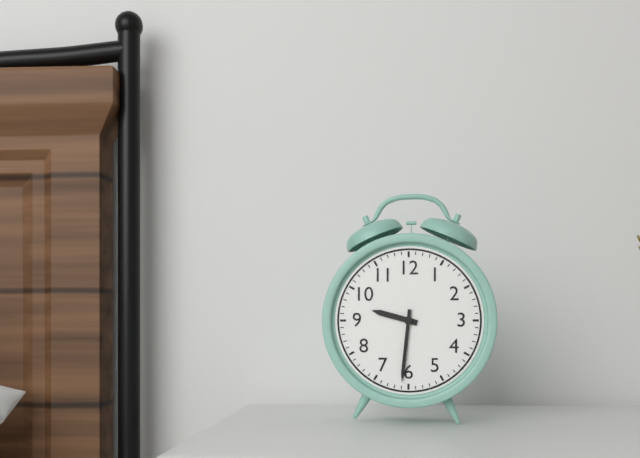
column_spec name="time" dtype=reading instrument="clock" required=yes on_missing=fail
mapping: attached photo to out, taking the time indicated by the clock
9:31
